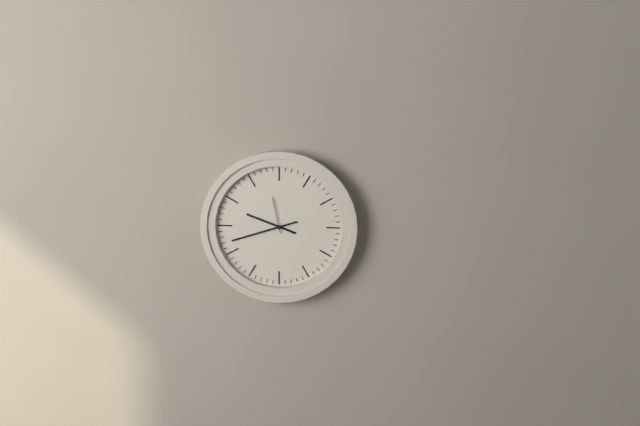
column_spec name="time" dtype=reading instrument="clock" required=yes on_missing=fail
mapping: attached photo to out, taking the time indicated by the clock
9:42
